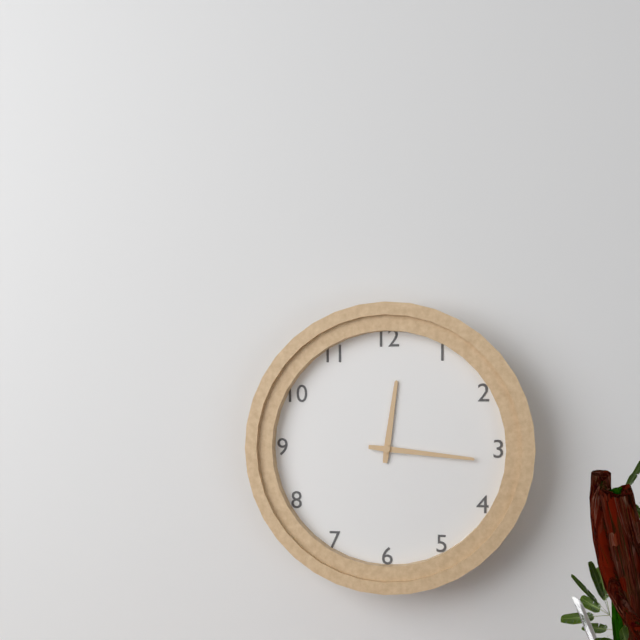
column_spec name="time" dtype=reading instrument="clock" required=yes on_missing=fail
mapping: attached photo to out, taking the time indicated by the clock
12:16
